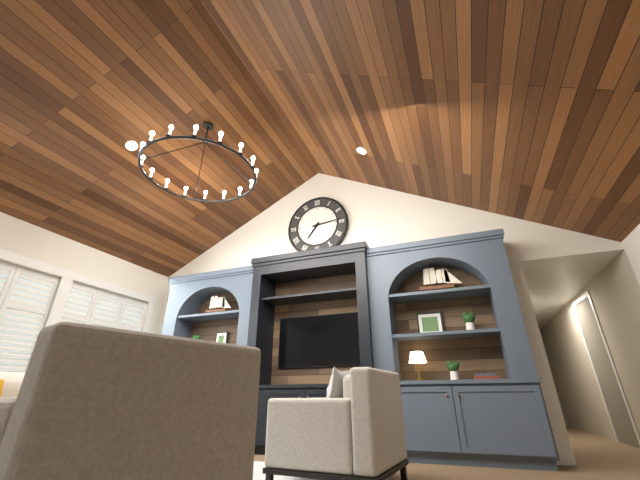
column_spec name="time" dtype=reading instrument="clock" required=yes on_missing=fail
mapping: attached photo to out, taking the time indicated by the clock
7:14
